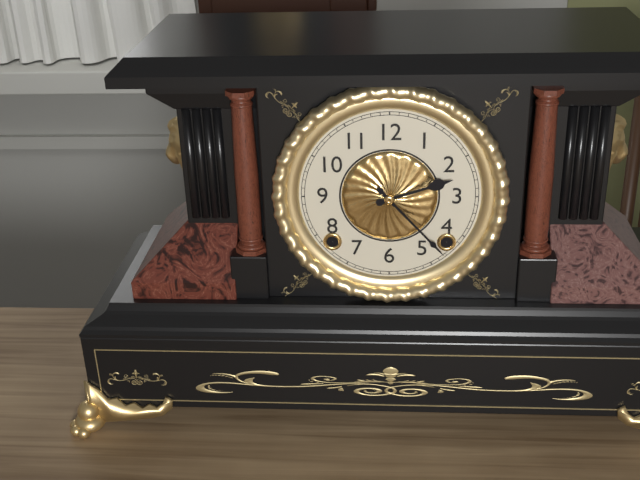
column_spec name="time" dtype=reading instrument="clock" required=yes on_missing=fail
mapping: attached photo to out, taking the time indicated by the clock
2:23
